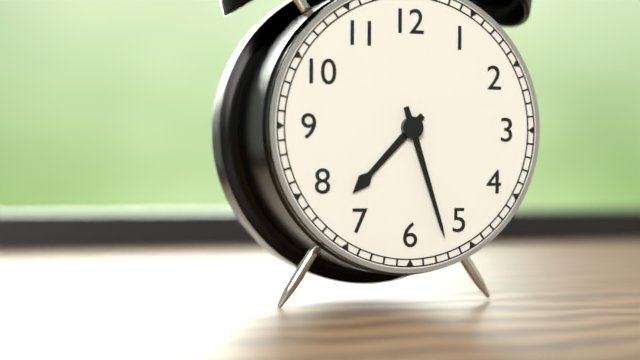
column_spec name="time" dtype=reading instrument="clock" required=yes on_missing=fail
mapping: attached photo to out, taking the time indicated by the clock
7:27
